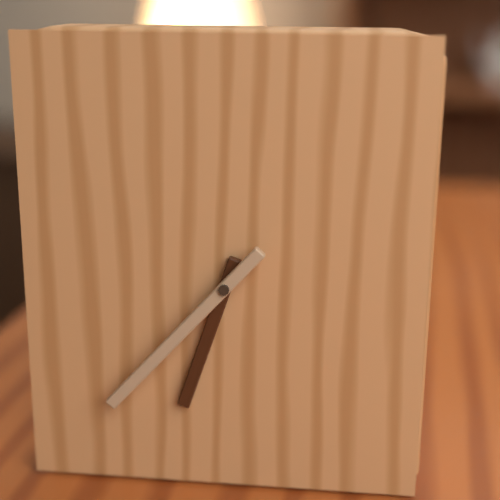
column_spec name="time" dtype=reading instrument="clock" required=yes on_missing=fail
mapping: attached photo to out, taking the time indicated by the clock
6:37
